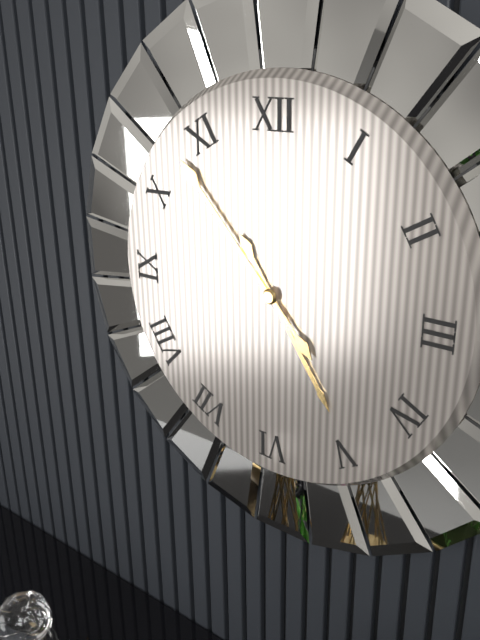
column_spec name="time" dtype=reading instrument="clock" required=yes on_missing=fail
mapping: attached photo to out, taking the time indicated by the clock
4:53
